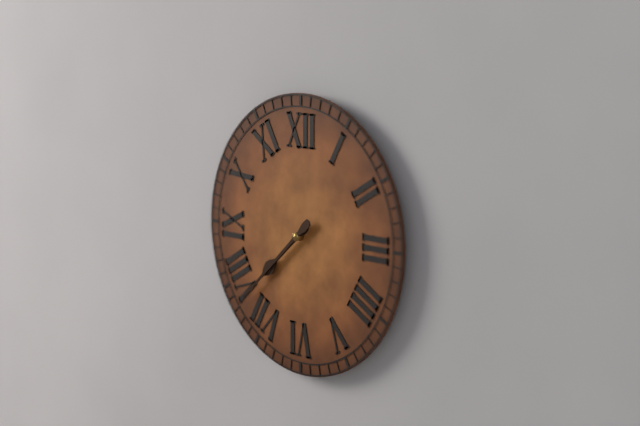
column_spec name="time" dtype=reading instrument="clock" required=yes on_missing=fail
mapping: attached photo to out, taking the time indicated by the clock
7:38
